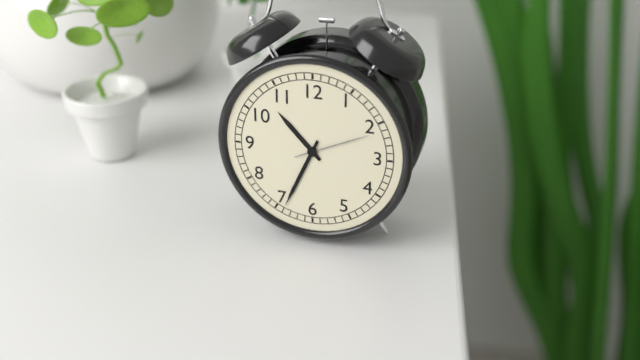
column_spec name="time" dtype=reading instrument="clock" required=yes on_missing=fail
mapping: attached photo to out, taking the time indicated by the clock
10:34:11
